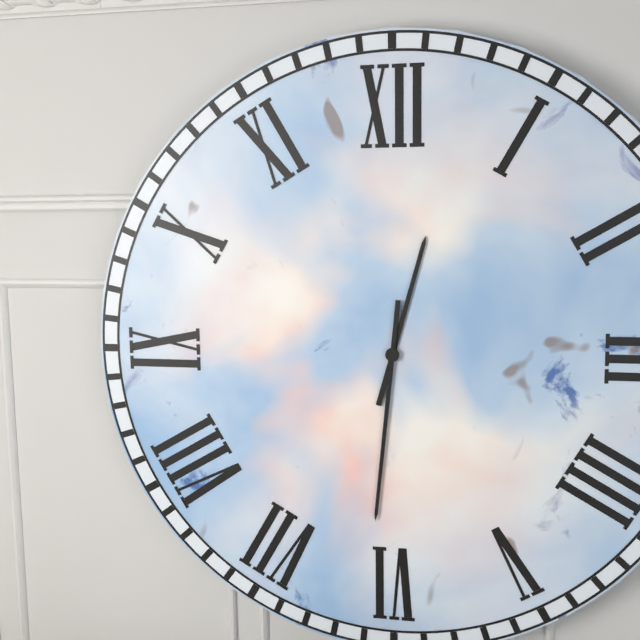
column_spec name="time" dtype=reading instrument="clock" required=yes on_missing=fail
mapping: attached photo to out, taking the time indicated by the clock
12:31
